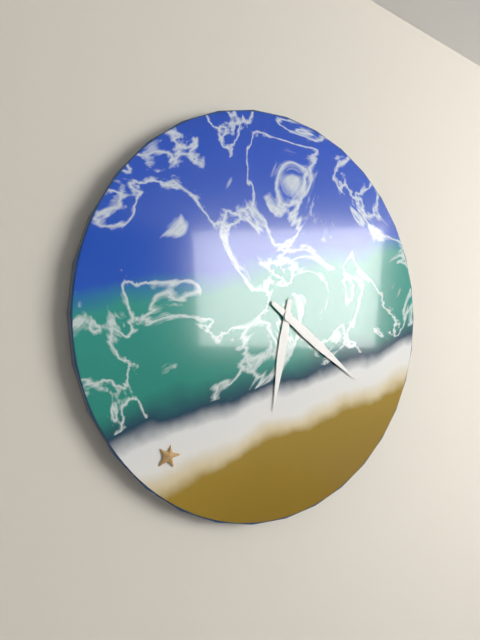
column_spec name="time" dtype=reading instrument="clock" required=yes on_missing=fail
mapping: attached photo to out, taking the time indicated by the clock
6:21
